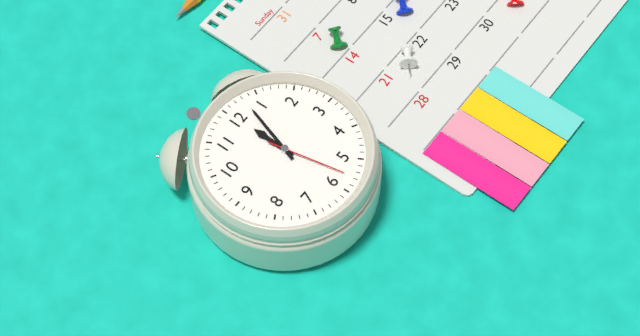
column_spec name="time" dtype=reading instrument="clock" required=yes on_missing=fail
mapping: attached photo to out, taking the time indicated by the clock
12:03:28
